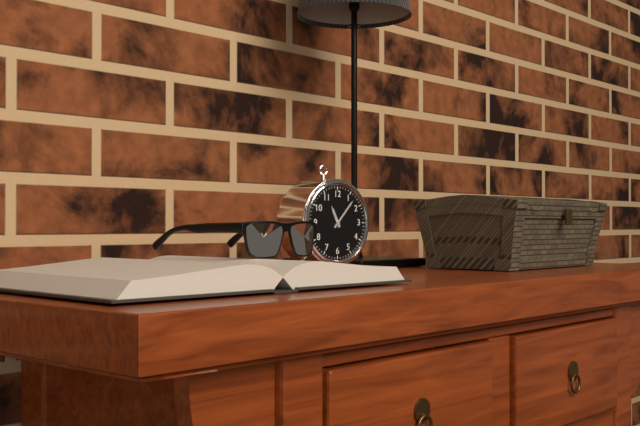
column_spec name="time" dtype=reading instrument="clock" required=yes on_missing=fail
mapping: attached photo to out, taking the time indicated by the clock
11:07
